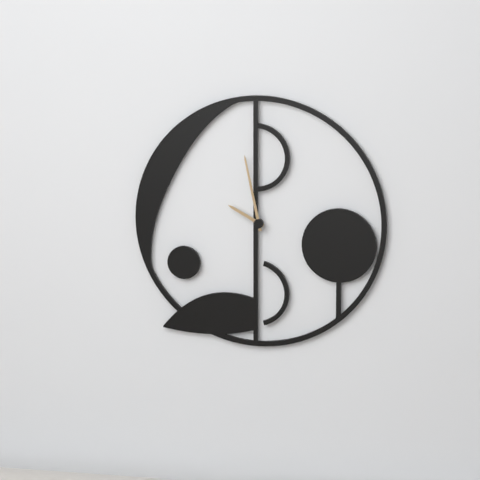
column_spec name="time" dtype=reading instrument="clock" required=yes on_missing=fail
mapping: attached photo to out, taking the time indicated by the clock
9:58
